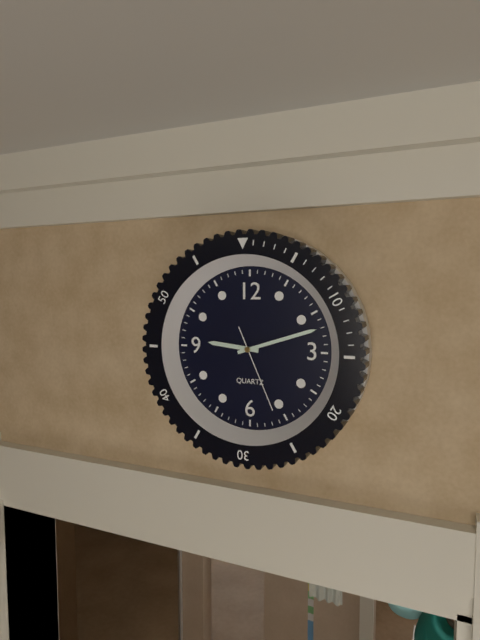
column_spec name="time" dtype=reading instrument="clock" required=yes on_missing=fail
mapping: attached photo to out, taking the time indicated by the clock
9:12:26
